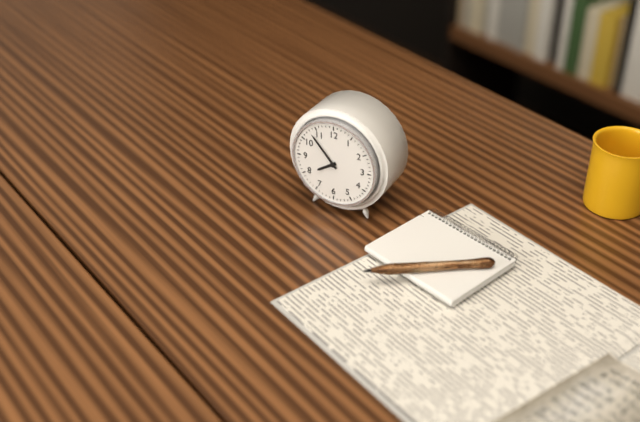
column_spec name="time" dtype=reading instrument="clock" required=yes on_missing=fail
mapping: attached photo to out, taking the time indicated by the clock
7:53
